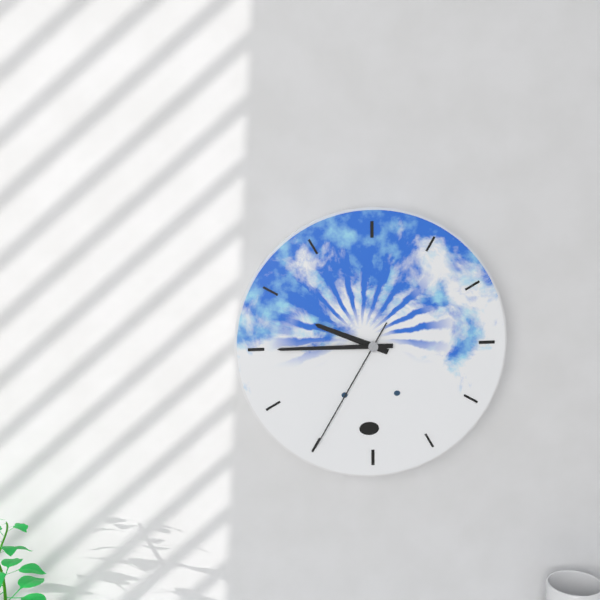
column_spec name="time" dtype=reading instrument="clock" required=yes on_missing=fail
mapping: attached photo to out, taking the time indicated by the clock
9:45:35
